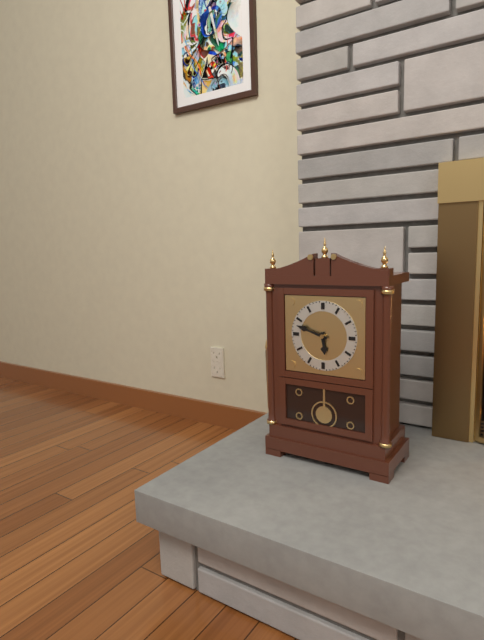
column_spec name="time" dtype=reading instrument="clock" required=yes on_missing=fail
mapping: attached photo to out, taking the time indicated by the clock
5:48
